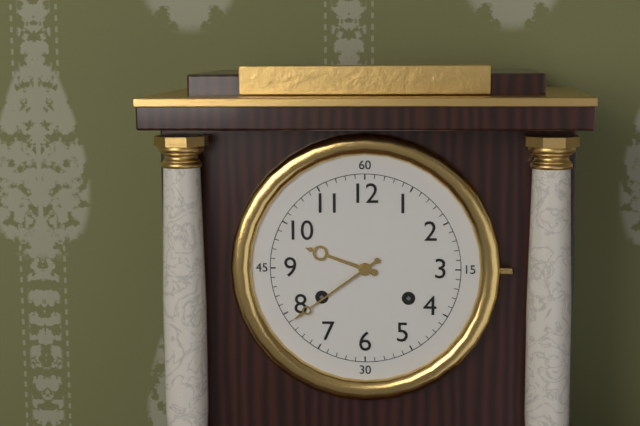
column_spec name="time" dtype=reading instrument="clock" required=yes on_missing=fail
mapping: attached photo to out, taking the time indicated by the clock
9:39
